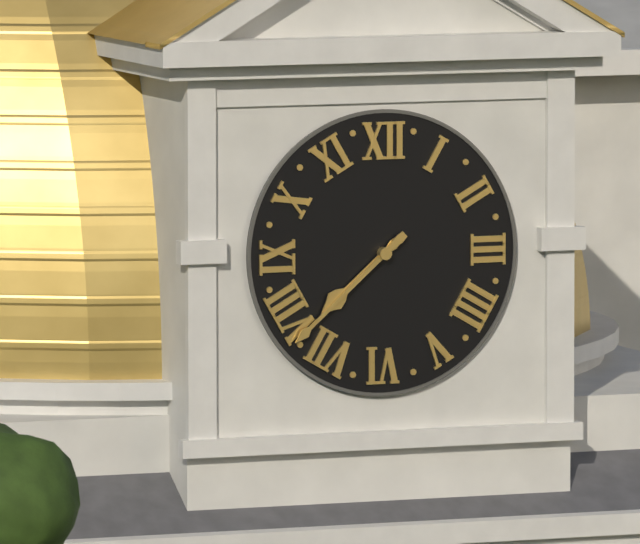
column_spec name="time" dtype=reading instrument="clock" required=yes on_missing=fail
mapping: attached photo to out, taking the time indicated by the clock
7:38
